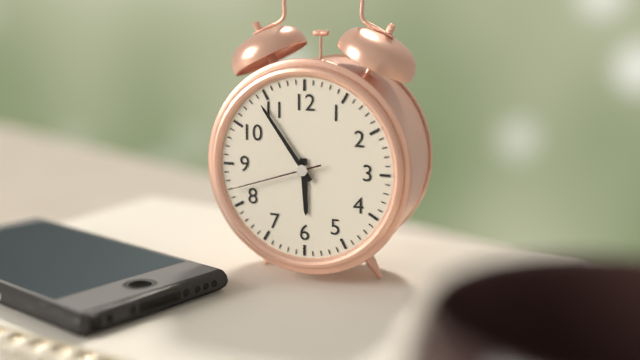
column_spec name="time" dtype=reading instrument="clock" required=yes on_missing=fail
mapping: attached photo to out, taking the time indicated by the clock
5:54:42
